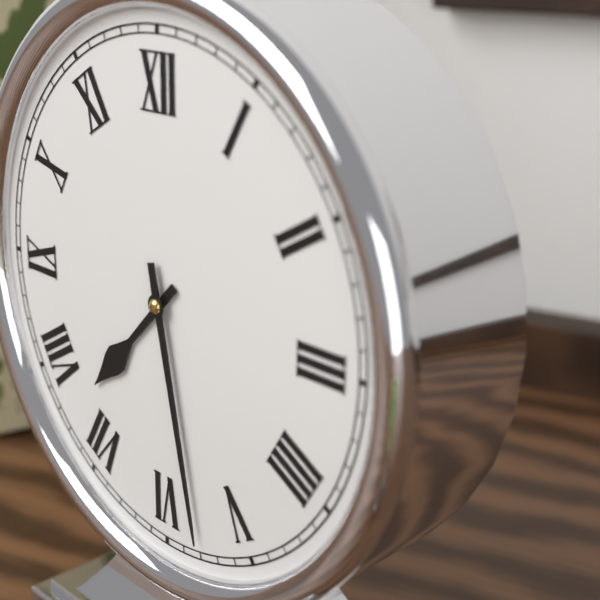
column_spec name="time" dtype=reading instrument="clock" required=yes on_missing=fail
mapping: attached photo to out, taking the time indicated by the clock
7:28
